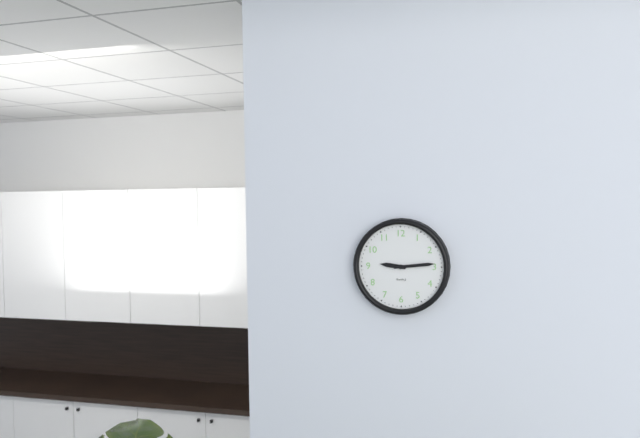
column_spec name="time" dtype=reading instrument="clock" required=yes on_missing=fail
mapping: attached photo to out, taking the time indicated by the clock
9:14
